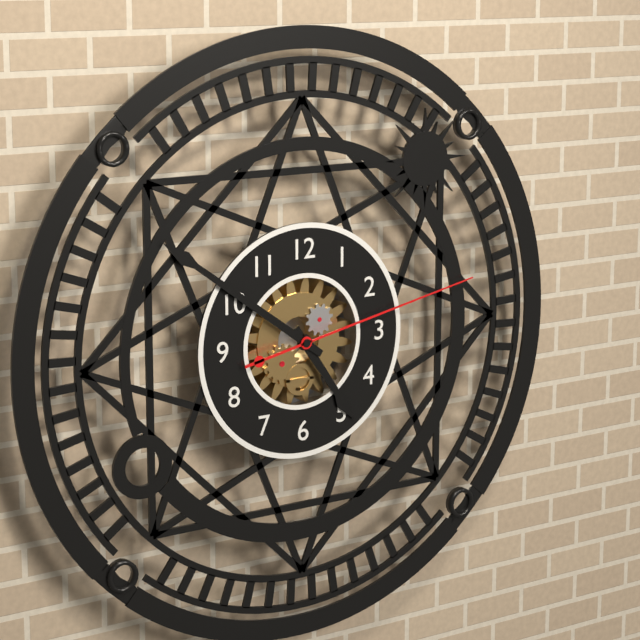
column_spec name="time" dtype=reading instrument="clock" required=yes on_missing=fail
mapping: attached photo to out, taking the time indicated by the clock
4:51:13
